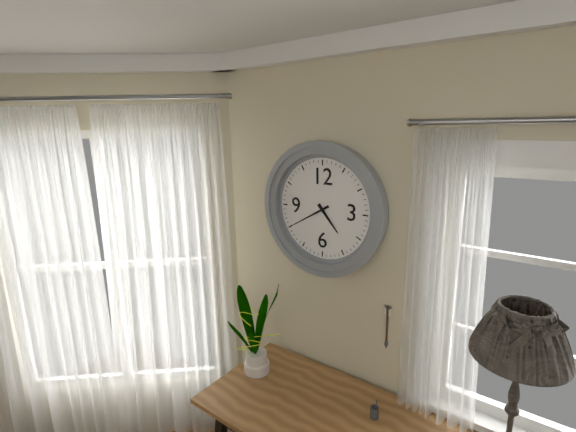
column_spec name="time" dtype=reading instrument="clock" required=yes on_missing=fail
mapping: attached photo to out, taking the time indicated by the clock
4:40
